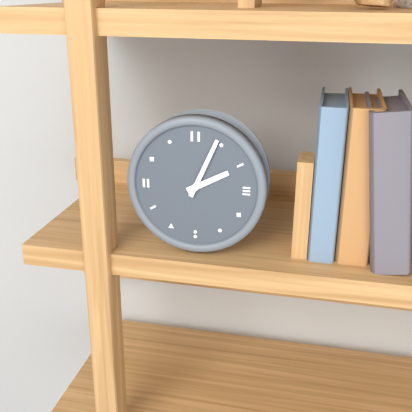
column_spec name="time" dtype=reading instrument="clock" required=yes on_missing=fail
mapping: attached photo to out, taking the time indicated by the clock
2:04
